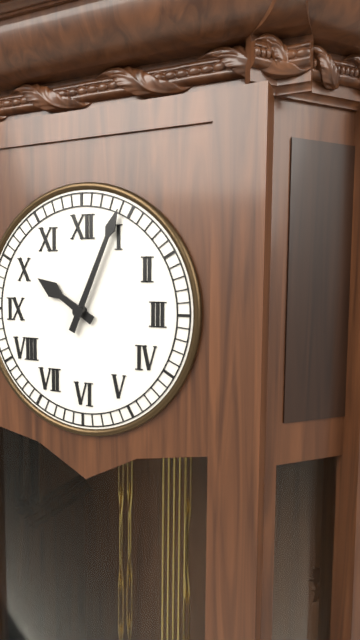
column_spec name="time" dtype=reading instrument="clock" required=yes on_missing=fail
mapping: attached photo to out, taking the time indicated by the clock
10:04
